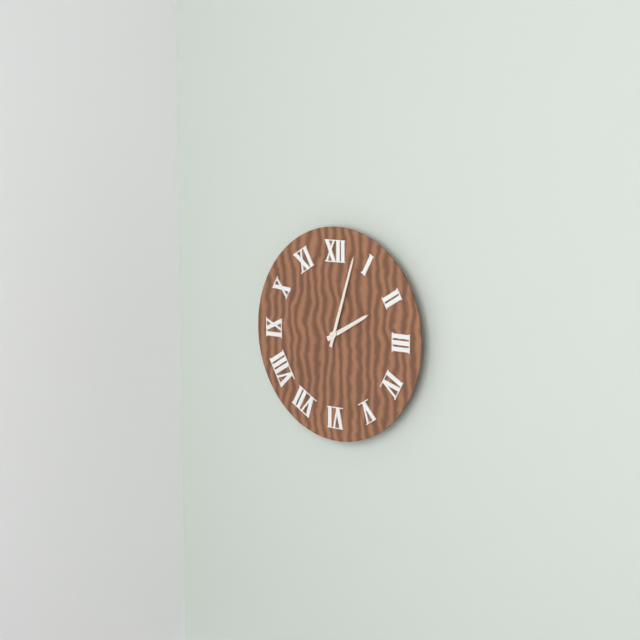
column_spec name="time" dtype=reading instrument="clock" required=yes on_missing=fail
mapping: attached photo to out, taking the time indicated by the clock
2:03
